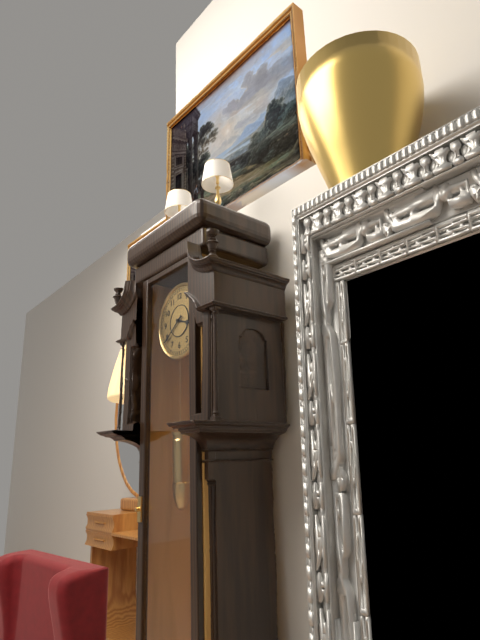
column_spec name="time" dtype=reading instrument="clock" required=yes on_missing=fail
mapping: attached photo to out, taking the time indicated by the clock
3:39
